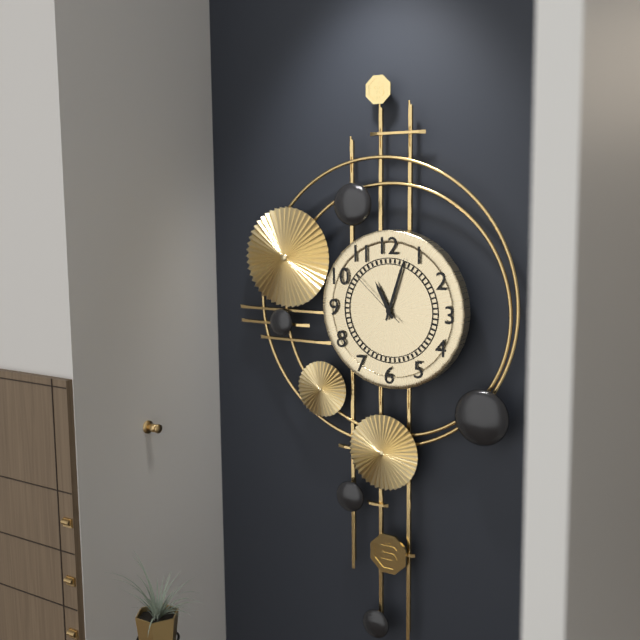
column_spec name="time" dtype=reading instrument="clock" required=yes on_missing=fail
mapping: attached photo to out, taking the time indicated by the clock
11:03:52
